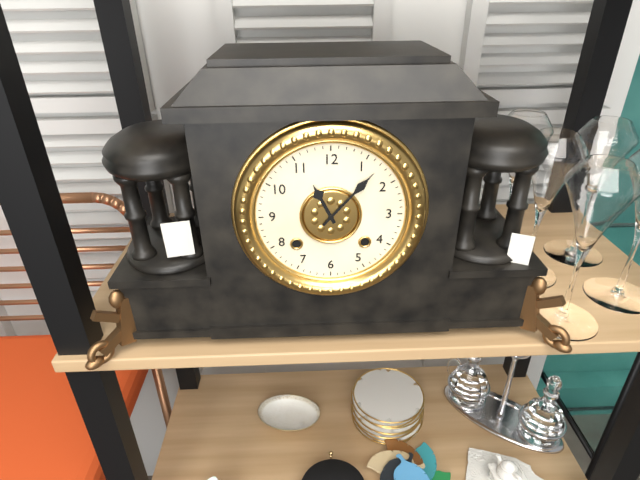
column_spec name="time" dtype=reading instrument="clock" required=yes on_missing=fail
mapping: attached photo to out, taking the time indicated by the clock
11:07
